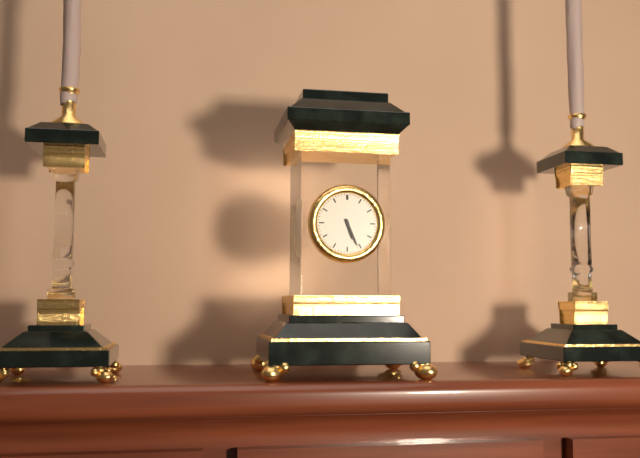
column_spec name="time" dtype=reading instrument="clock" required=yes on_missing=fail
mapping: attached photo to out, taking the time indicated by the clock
5:26
